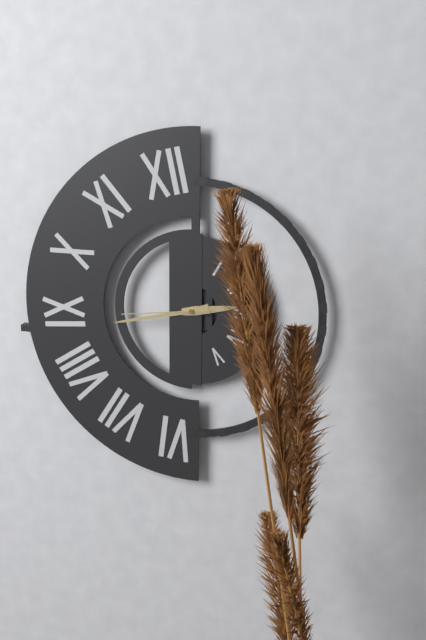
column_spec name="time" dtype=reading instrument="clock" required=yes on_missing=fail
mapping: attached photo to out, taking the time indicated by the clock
2:43:44
